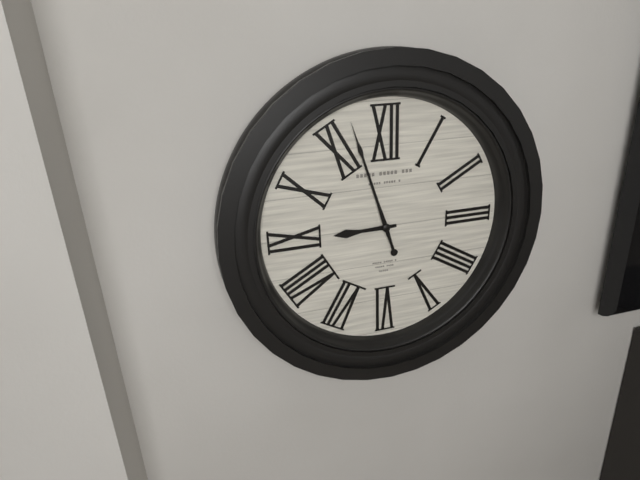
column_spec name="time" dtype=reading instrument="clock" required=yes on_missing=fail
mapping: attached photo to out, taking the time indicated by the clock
8:57
